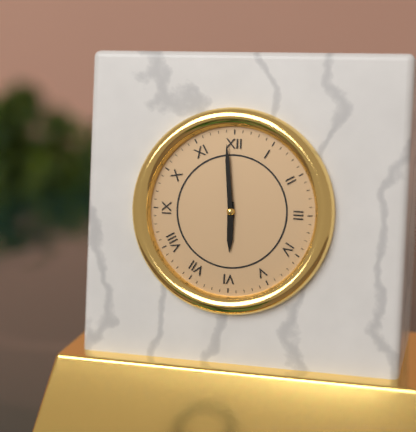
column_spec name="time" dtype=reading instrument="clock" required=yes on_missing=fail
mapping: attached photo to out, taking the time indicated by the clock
5:59
